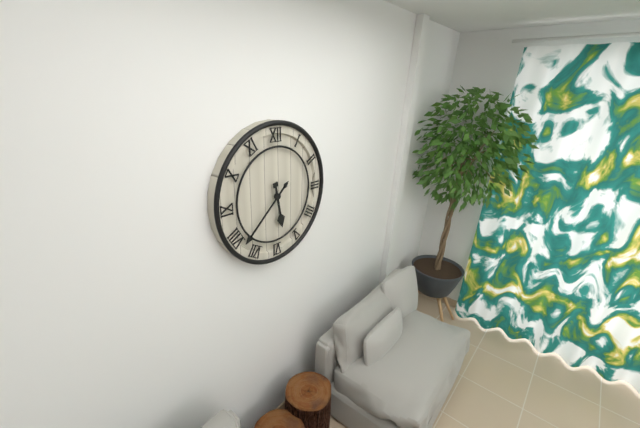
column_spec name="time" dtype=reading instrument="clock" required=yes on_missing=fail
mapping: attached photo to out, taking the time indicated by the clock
5:38
